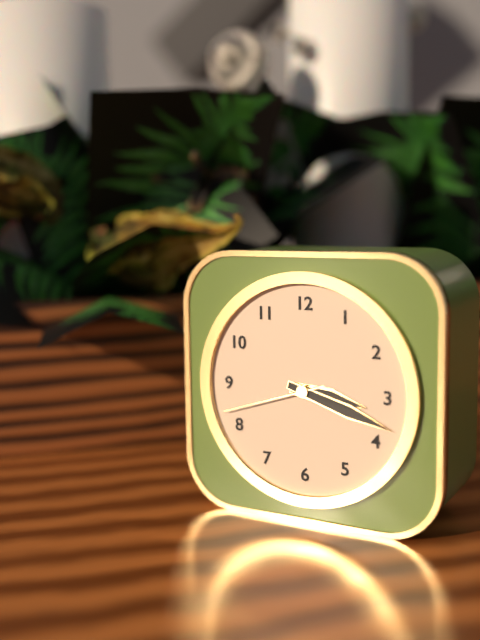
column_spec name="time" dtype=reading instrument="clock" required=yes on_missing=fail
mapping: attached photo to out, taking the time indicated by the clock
3:18:42
